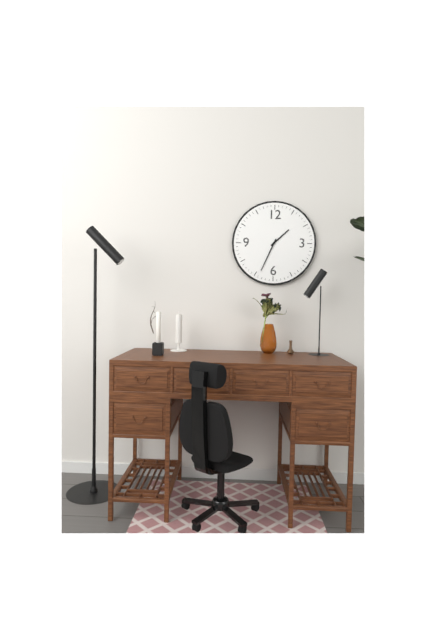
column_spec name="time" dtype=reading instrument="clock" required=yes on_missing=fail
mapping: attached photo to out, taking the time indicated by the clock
1:34
